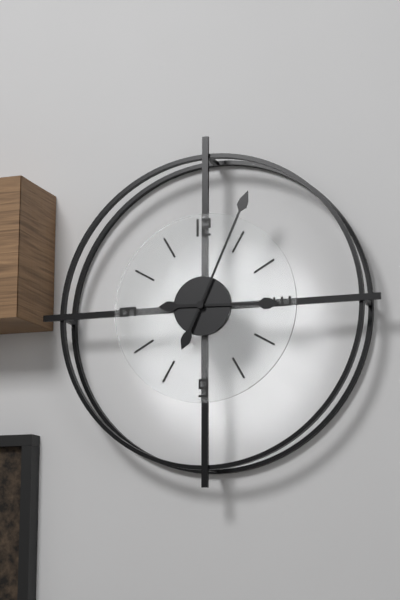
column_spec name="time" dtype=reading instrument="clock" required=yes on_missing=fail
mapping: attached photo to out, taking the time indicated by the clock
3:04
